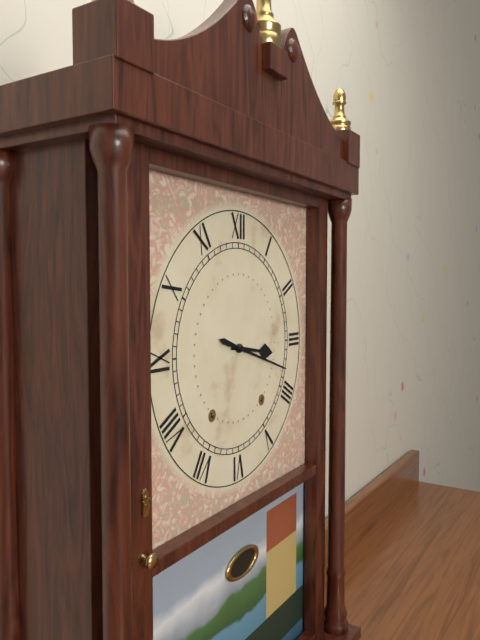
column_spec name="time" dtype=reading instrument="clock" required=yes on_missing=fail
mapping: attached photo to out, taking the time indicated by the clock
3:18
